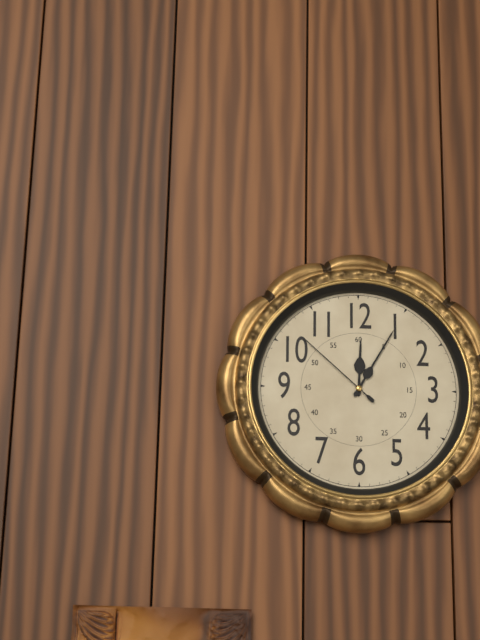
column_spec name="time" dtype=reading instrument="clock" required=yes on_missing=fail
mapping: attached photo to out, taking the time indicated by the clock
12:05:52
